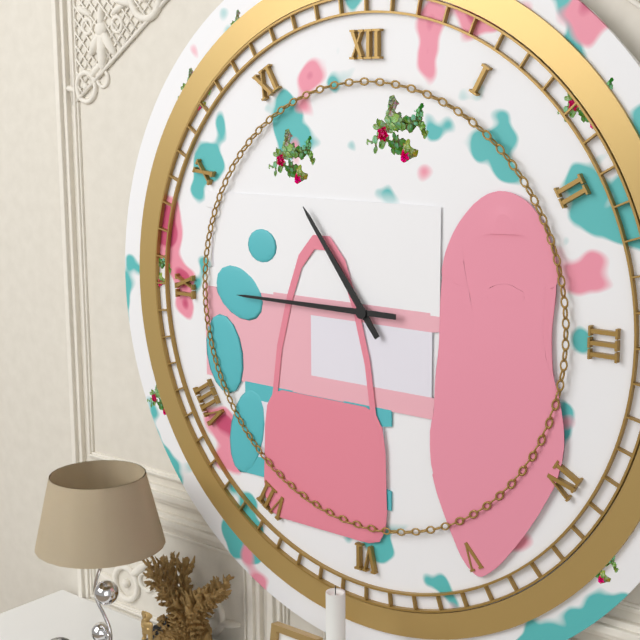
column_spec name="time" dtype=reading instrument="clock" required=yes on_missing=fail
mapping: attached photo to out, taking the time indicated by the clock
10:45
